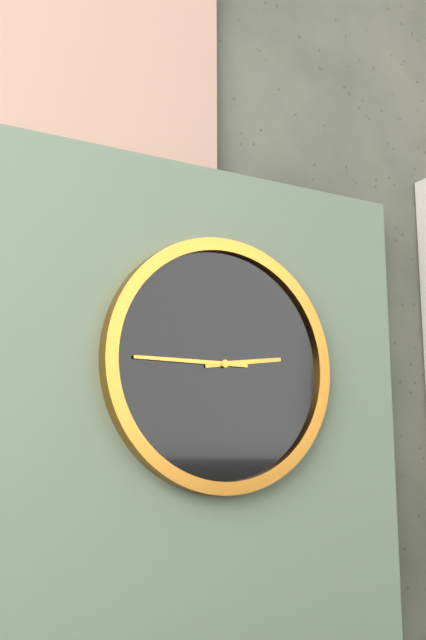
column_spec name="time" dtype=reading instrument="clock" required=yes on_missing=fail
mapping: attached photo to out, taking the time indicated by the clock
2:45
